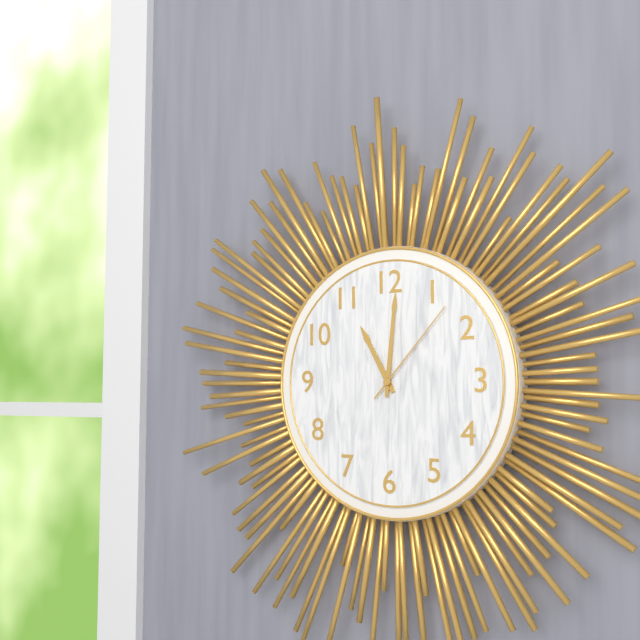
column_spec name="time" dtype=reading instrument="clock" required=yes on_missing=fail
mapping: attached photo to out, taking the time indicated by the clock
11:01:07
